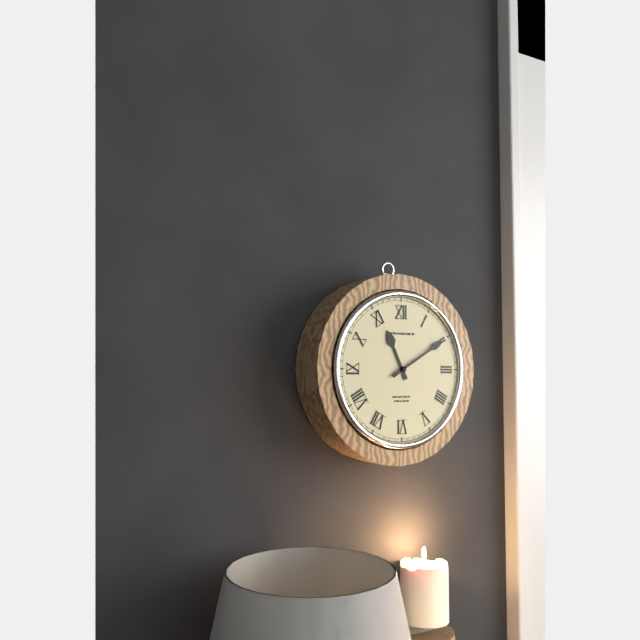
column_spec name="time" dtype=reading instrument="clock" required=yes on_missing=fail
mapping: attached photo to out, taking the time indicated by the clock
11:10
